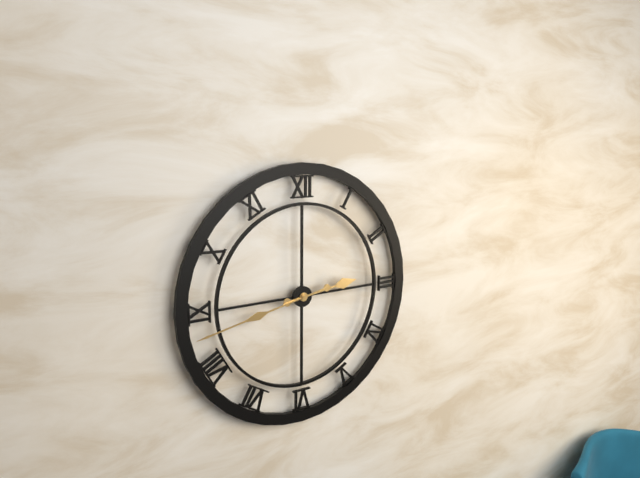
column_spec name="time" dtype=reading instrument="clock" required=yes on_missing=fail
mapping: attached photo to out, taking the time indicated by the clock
2:43
